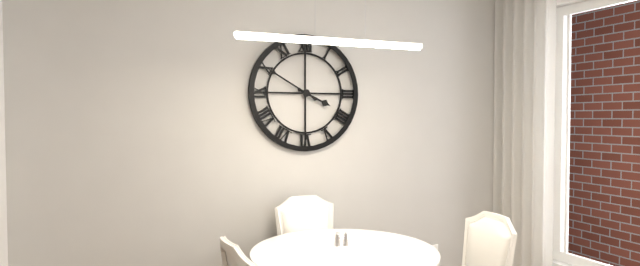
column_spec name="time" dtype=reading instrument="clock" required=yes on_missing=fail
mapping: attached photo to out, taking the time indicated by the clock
3:50
